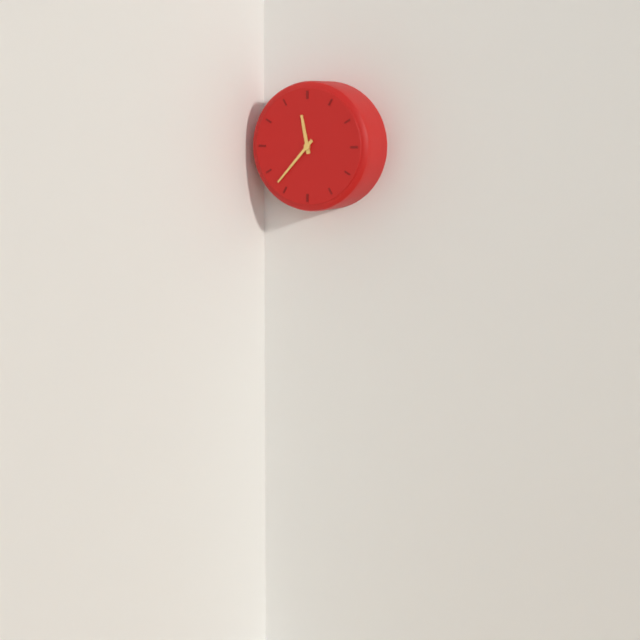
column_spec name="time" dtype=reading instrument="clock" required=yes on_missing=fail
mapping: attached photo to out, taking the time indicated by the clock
11:37
